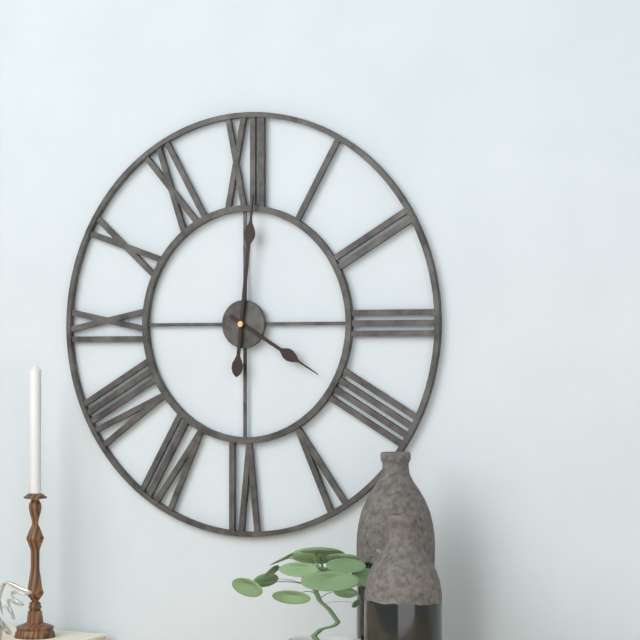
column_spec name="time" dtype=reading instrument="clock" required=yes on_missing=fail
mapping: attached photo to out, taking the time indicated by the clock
4:01
